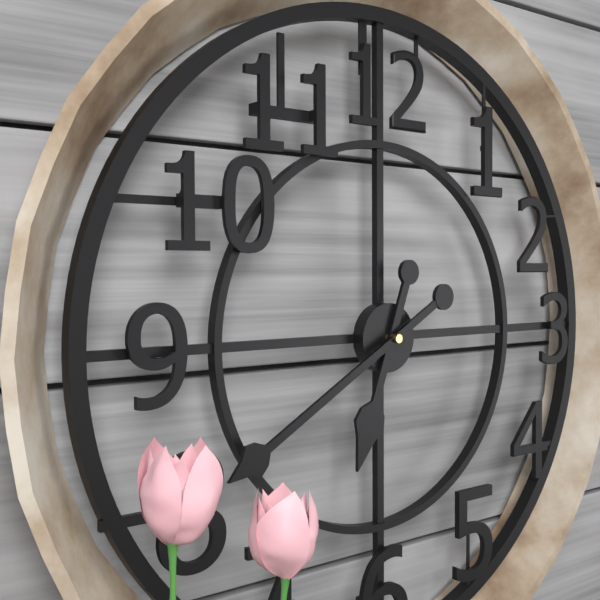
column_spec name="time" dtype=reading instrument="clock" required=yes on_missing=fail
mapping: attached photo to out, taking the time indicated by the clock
6:40
